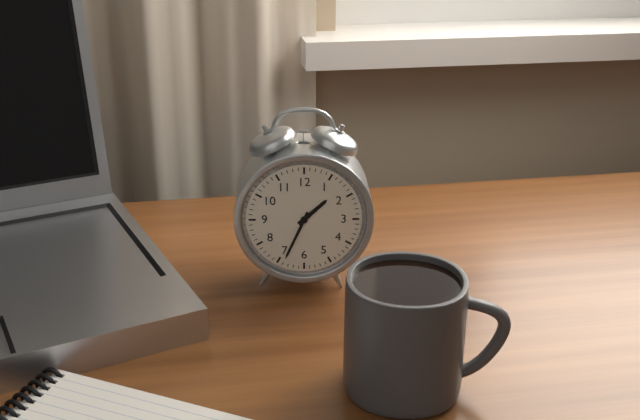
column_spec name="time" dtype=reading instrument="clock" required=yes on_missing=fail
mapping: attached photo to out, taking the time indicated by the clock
1:34
